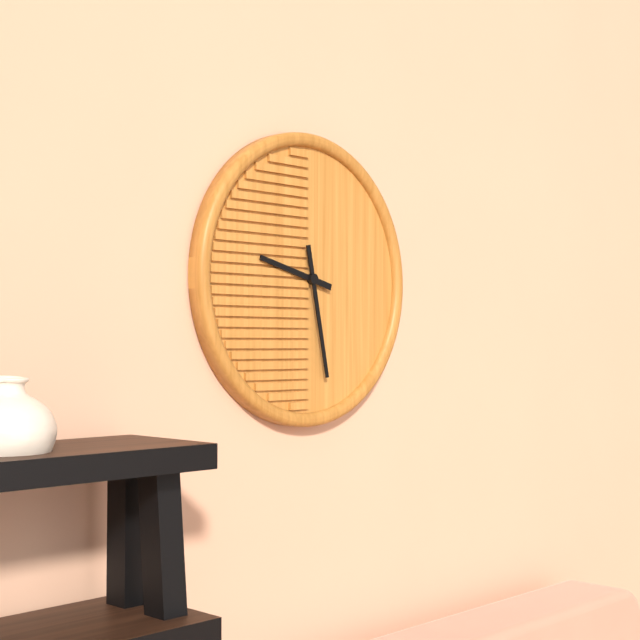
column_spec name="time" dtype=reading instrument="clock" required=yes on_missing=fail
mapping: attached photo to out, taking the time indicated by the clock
9:28
